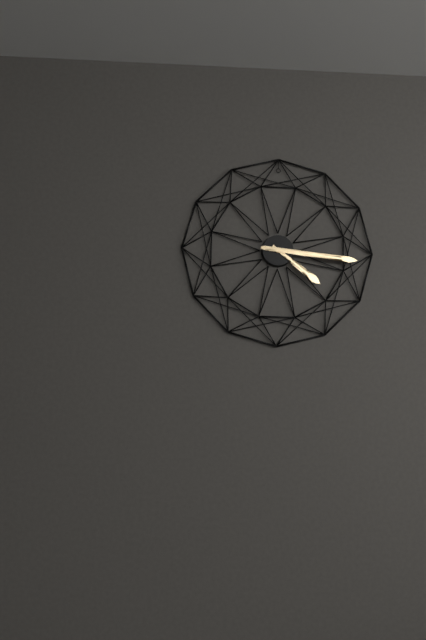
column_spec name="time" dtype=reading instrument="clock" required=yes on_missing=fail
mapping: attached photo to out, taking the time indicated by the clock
4:16
